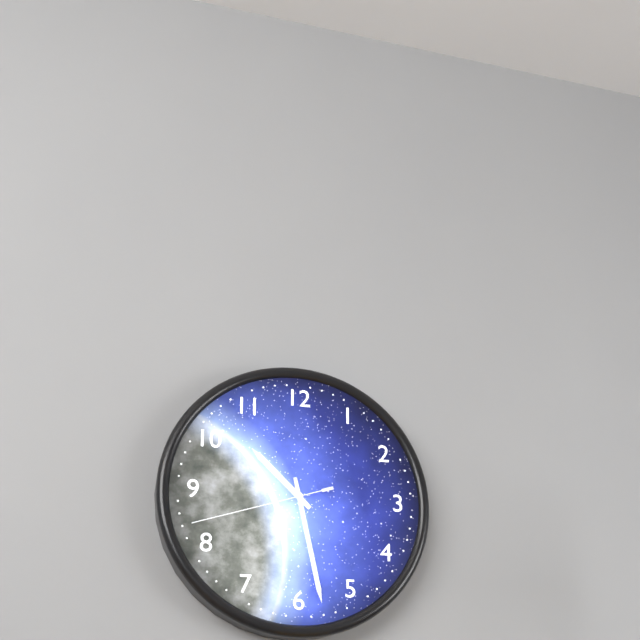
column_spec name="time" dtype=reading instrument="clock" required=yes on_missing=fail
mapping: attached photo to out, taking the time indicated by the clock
10:28:42
